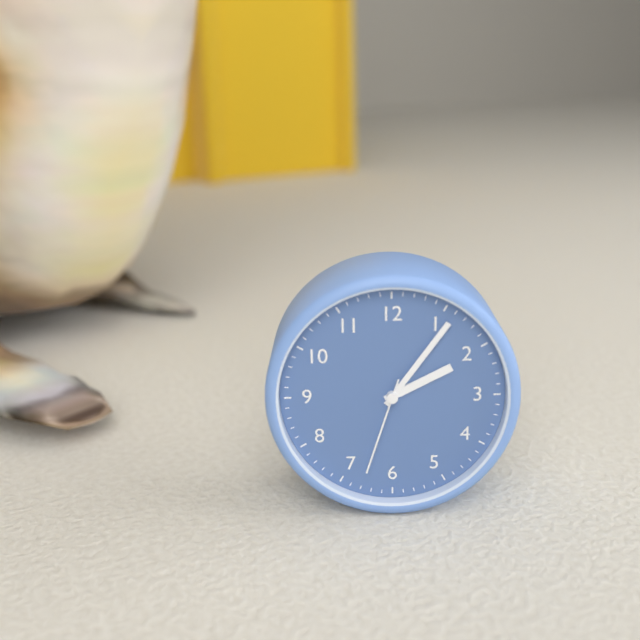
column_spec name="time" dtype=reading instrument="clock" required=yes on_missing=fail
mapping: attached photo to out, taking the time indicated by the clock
2:06:33
